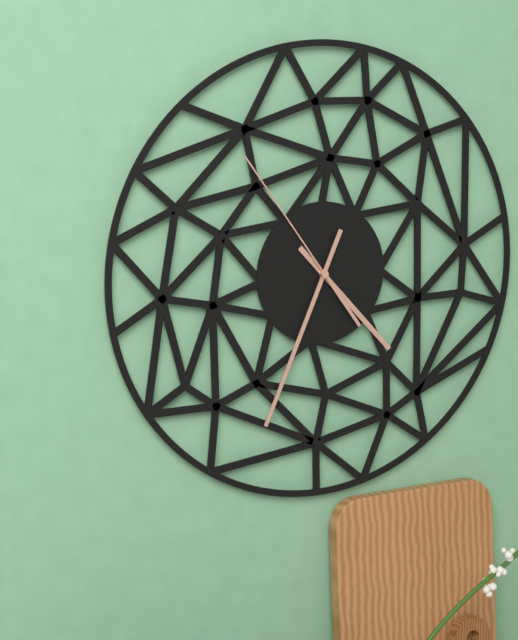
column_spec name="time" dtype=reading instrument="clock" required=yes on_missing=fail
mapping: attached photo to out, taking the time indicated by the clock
4:34:54
